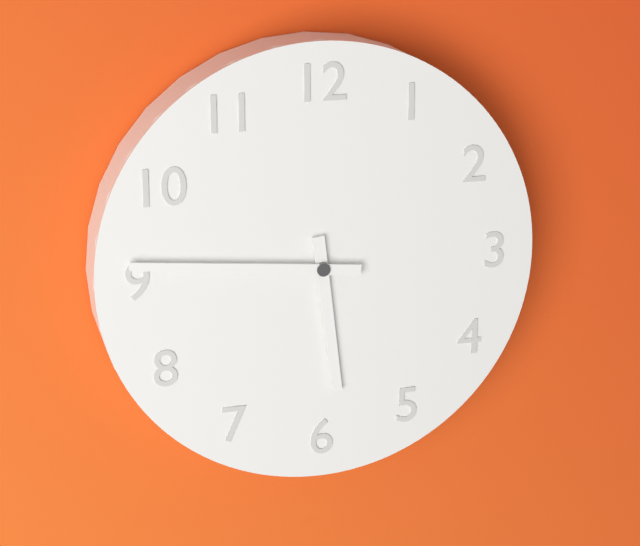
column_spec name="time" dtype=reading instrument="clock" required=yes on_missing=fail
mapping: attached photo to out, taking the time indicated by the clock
5:46
